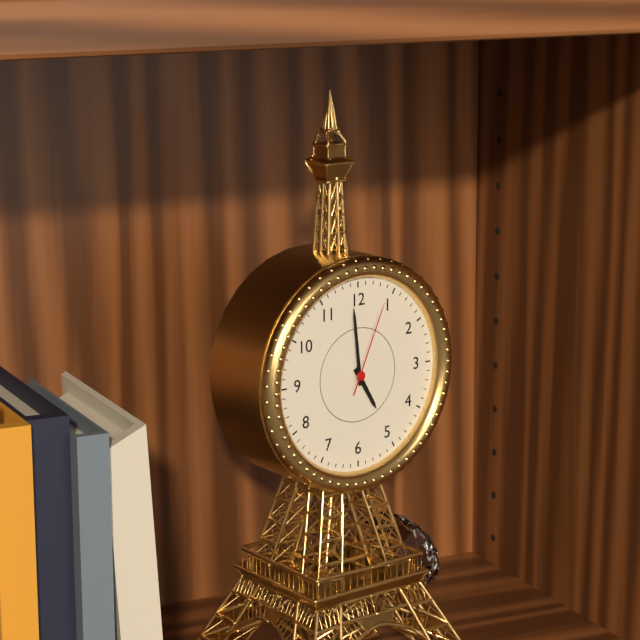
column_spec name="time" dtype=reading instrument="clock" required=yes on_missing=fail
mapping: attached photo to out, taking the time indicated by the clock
4:59:04
